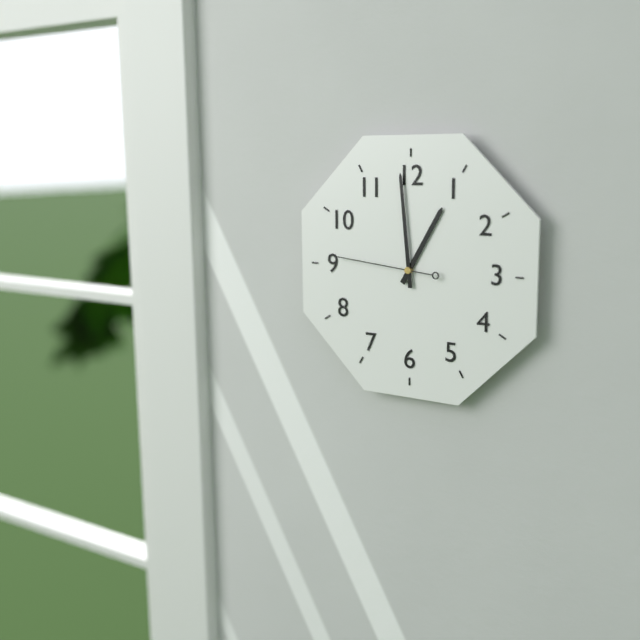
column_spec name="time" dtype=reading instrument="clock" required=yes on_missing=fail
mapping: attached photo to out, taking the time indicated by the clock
12:59:46
